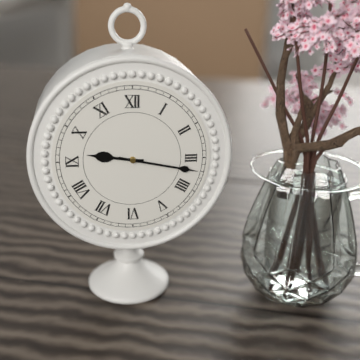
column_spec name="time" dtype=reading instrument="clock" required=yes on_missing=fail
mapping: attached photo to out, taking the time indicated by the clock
9:17
